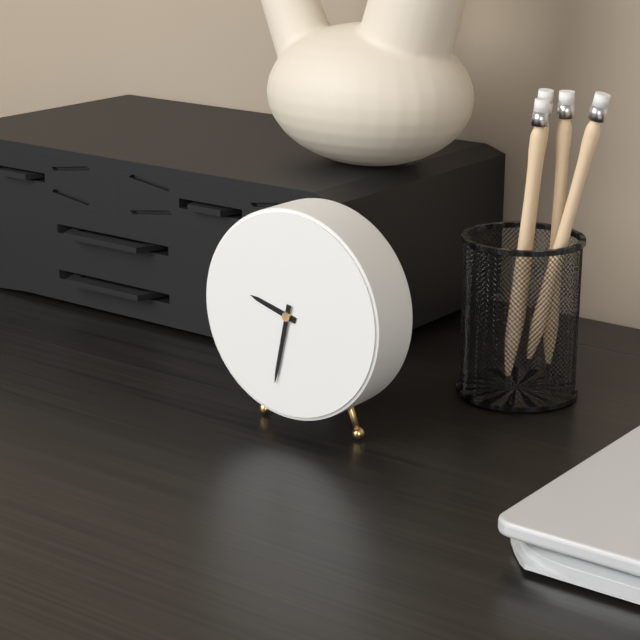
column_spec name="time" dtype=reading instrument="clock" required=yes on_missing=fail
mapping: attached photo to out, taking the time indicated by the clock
9:32
